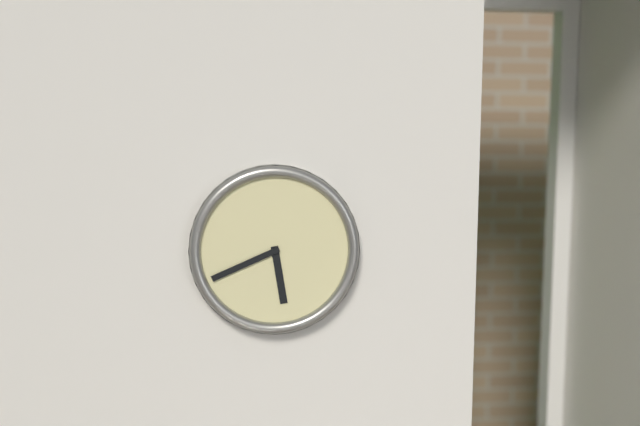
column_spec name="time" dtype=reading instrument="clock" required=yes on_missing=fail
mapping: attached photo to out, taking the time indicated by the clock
5:41
